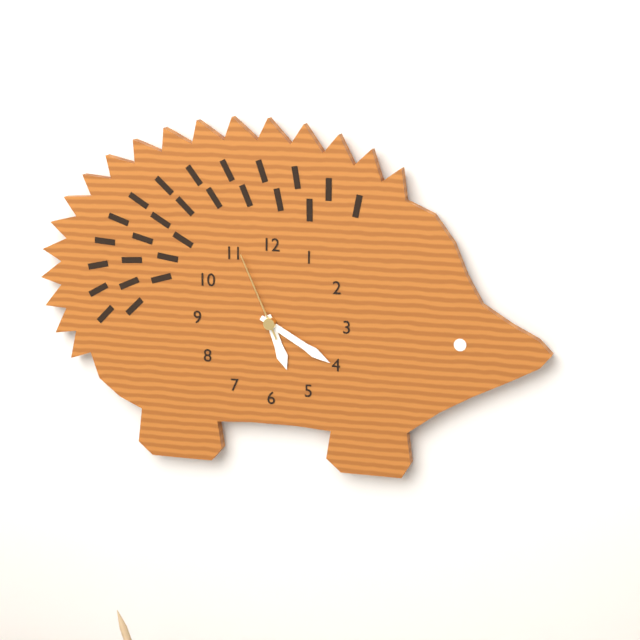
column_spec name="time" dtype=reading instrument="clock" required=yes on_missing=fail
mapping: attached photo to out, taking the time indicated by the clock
5:20:56
